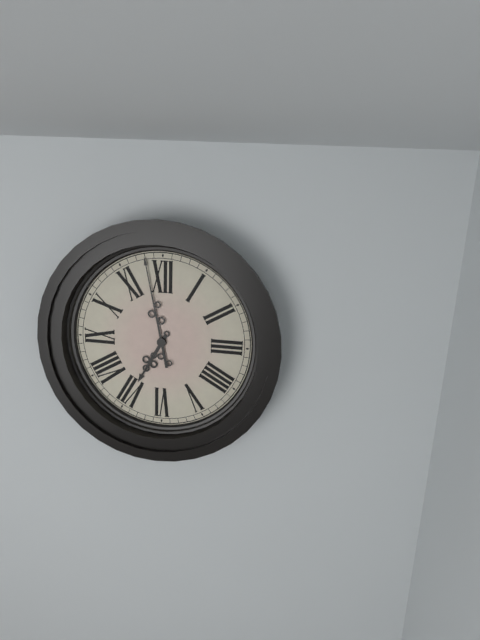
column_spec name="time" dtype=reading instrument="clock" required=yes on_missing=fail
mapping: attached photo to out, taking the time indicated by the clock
6:58
